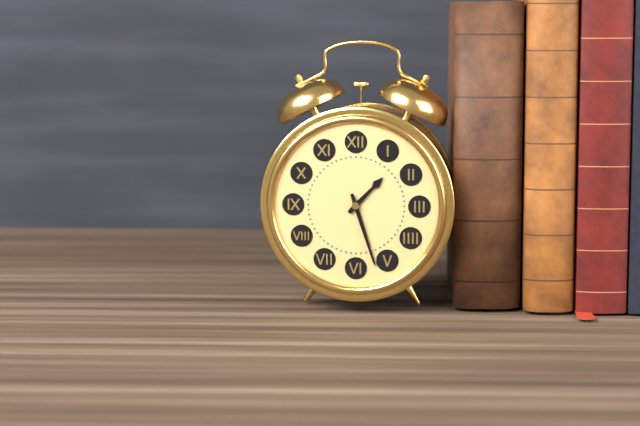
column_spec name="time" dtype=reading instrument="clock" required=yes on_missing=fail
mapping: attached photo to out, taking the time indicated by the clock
1:27
